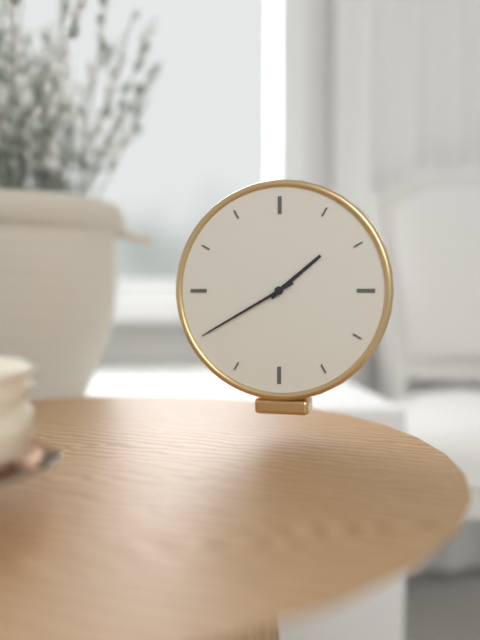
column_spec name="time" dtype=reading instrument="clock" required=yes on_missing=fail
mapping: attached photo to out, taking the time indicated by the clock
1:40
